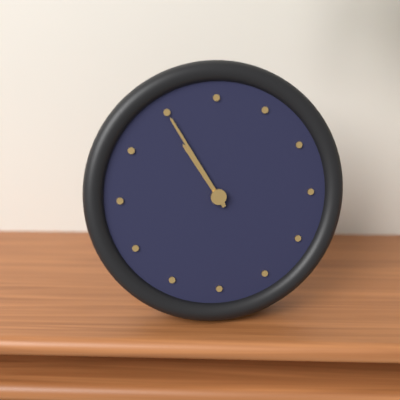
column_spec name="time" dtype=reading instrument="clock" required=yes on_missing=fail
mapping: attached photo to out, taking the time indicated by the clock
10:55
